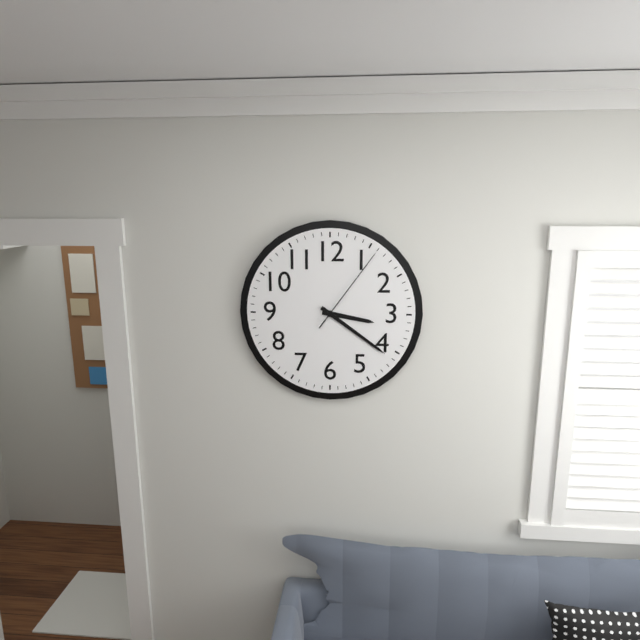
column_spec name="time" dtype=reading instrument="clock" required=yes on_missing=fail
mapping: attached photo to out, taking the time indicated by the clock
3:21:06
